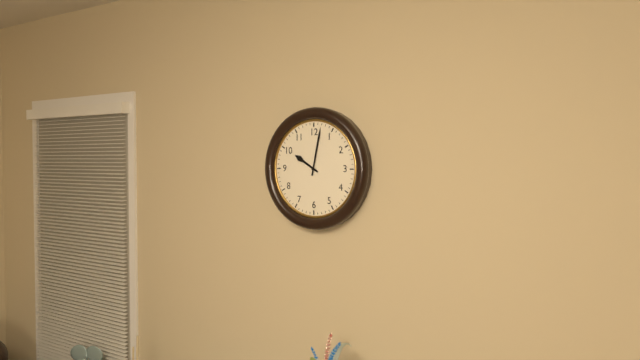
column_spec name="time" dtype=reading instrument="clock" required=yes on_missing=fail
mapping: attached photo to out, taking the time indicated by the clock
10:02
